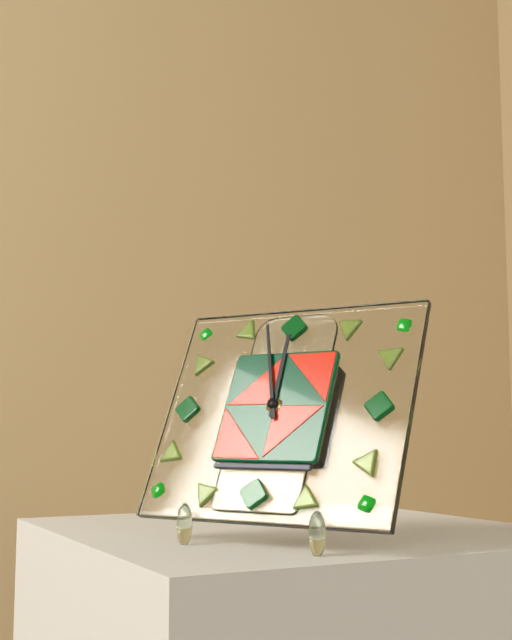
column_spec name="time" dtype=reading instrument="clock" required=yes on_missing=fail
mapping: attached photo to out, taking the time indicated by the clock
11:57
